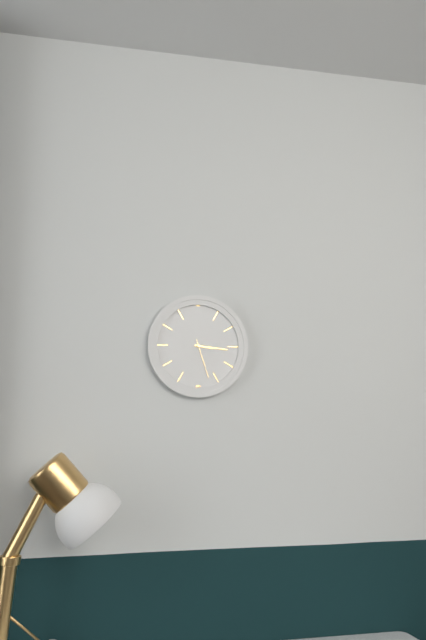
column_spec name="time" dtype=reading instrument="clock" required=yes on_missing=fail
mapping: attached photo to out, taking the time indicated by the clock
3:16
